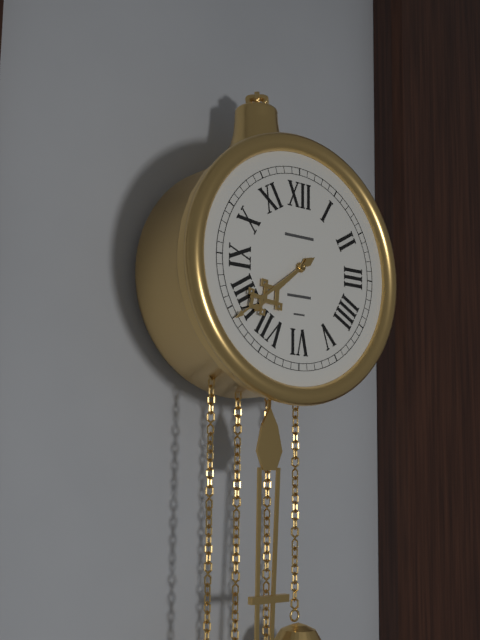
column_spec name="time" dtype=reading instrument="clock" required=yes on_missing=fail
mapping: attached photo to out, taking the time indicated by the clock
7:39
